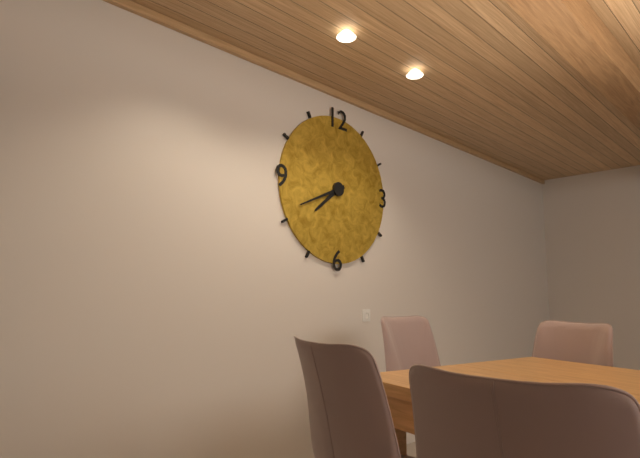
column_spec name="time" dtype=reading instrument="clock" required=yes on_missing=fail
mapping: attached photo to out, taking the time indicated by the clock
7:41
